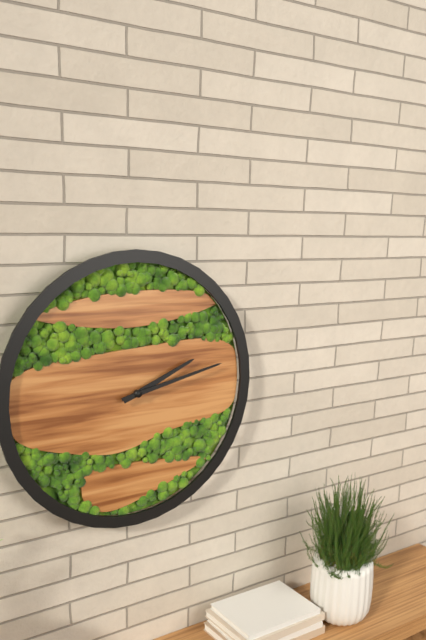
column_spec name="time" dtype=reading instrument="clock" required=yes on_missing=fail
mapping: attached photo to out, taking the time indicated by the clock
2:13
